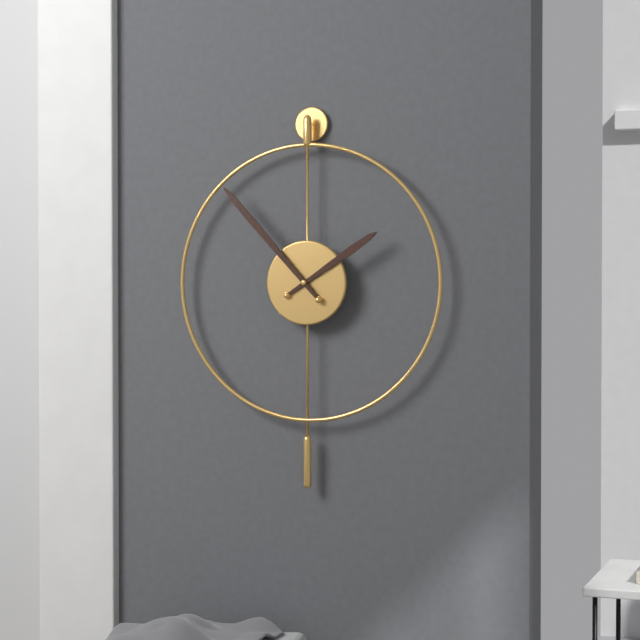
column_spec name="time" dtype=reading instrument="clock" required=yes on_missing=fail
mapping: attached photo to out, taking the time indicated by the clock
1:53
